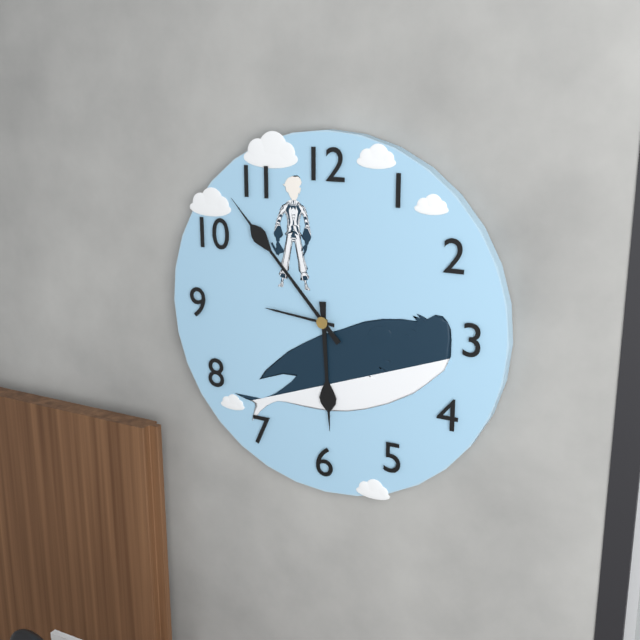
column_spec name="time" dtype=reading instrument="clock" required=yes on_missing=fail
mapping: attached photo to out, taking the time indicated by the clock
5:53:46
